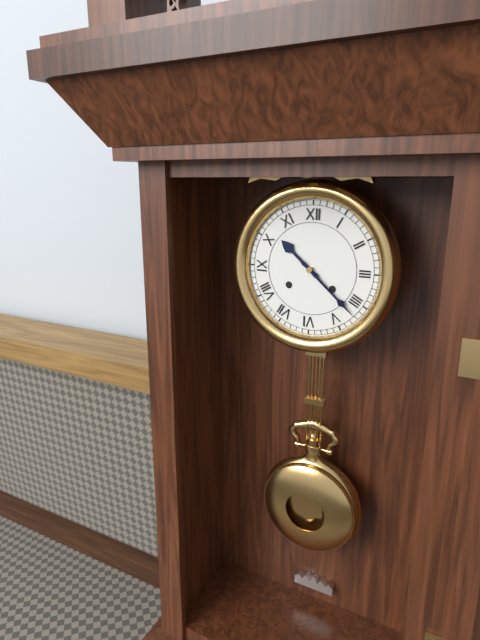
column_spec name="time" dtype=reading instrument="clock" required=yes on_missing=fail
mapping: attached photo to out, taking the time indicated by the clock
10:22
